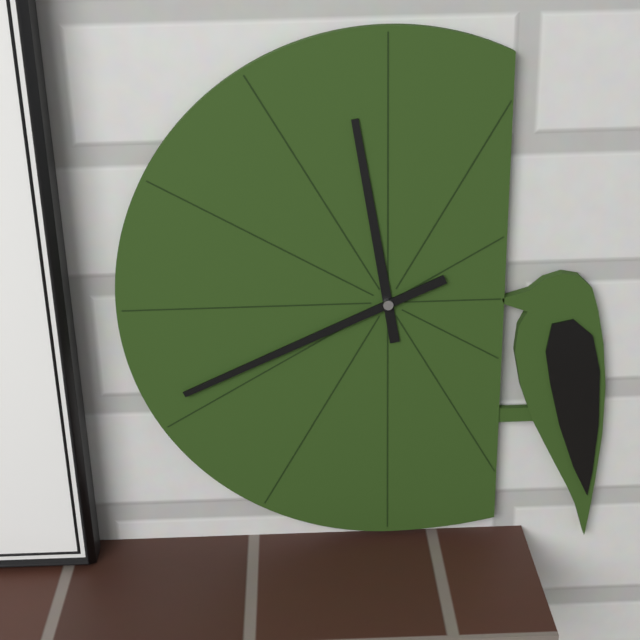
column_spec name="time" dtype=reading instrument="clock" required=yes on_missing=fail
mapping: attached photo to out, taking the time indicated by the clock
11:41
